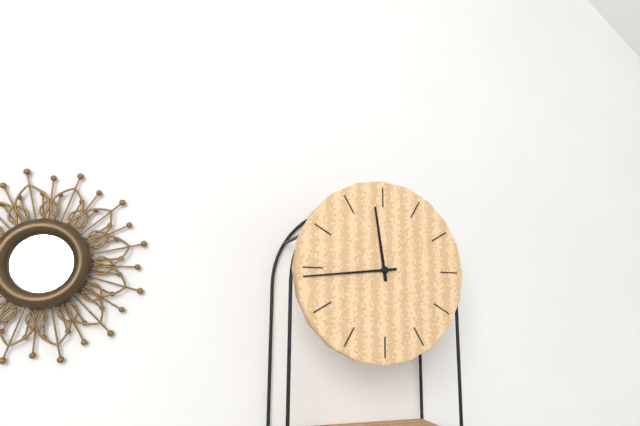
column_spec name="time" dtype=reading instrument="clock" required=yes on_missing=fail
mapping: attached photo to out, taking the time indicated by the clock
11:44
